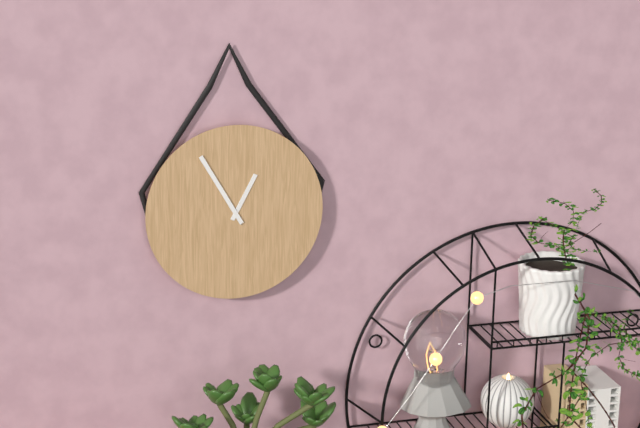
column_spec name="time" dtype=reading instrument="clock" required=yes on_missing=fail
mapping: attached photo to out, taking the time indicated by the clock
12:55
